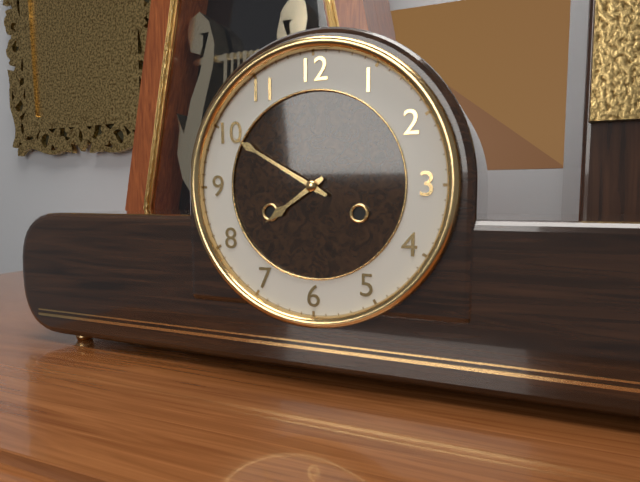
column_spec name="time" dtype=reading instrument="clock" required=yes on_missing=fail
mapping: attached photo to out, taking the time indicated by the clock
7:50
